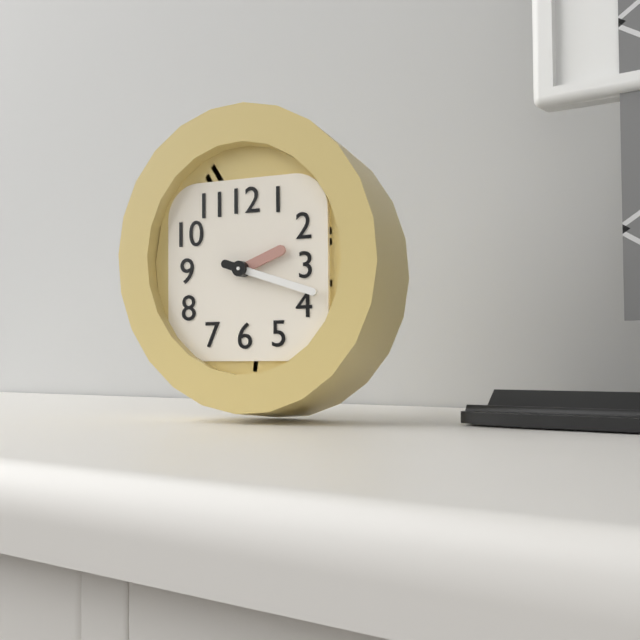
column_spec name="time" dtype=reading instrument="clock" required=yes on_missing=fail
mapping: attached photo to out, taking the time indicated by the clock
2:18
